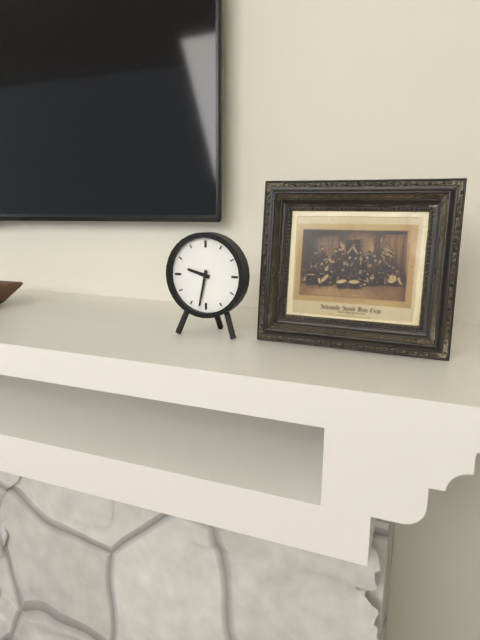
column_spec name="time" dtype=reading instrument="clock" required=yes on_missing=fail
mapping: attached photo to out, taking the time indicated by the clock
9:32
